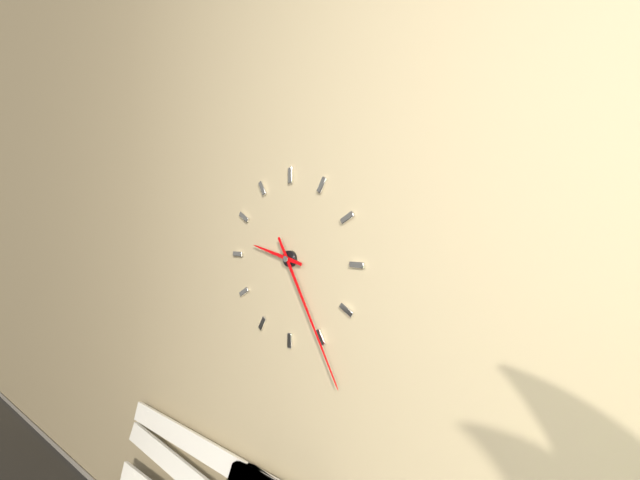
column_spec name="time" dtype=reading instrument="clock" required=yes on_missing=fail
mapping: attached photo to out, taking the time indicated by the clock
9:25
